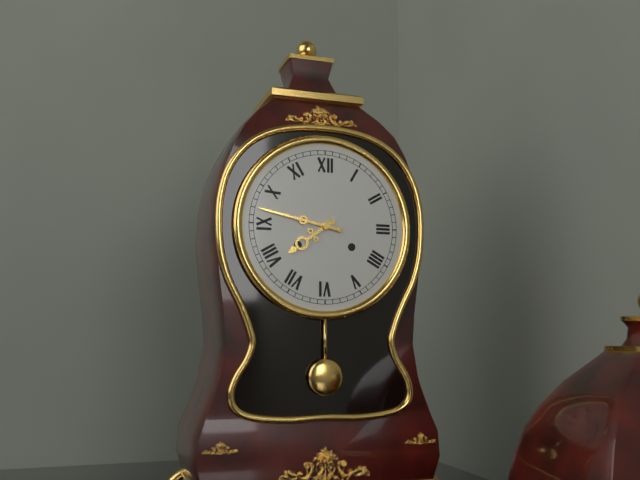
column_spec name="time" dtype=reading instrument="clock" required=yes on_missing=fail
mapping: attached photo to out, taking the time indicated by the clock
7:47
